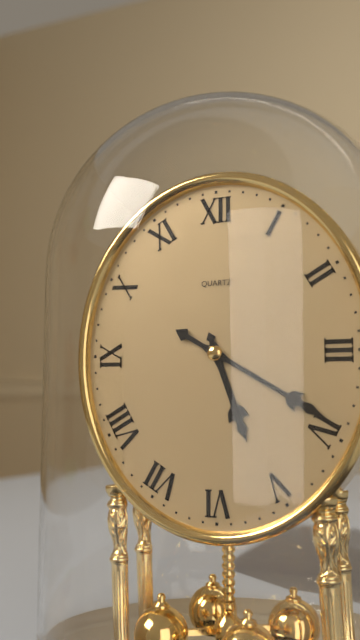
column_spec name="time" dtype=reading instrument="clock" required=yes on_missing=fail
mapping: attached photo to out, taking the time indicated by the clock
5:20
